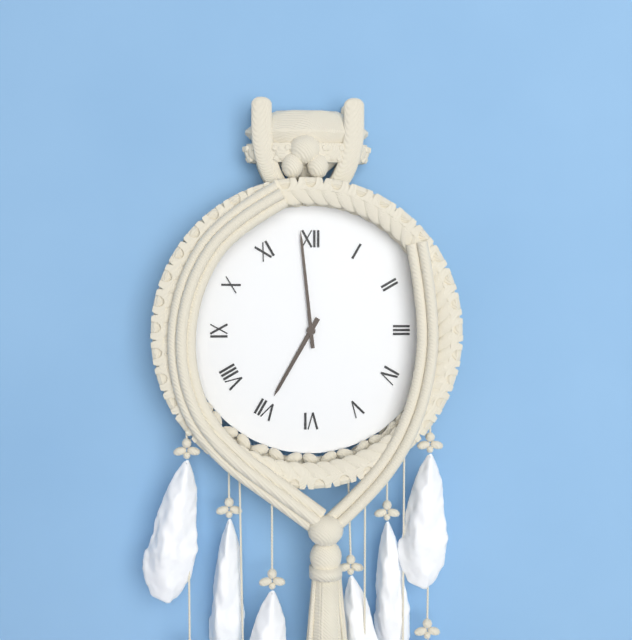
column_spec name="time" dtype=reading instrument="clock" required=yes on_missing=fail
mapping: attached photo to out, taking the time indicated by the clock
6:59
